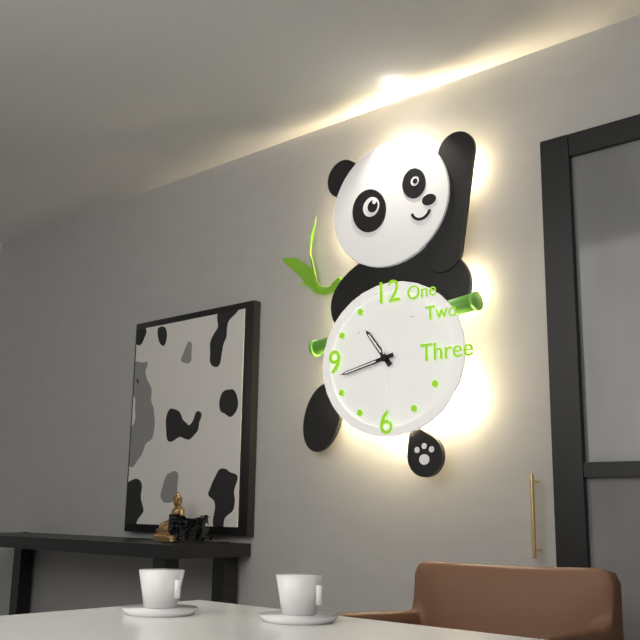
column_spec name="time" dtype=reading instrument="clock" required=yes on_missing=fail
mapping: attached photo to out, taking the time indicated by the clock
10:43:29
